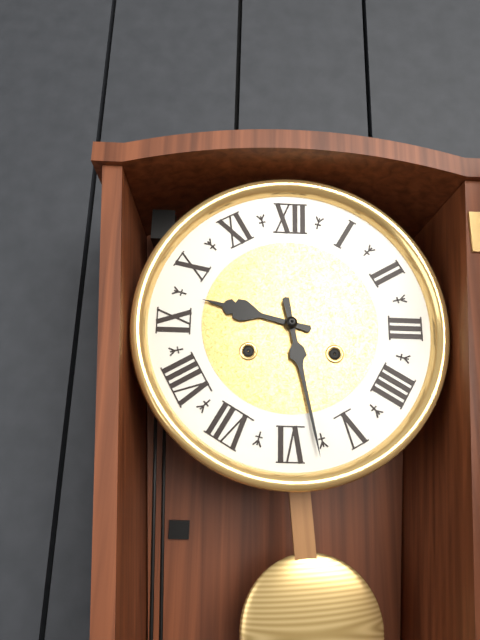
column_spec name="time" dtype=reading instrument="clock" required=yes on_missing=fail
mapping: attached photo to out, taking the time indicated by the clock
9:28
